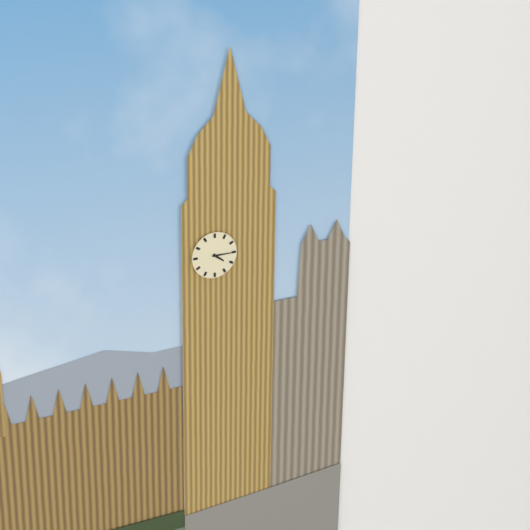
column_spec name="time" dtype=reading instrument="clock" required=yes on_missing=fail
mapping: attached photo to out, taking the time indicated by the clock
4:15
